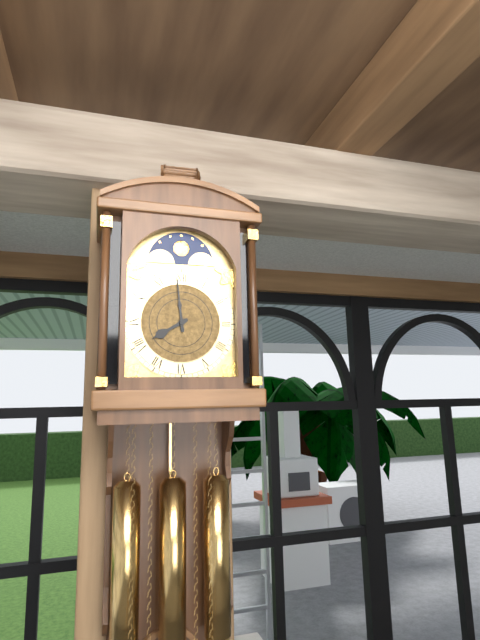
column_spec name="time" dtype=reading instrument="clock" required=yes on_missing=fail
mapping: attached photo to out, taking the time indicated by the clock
7:59
